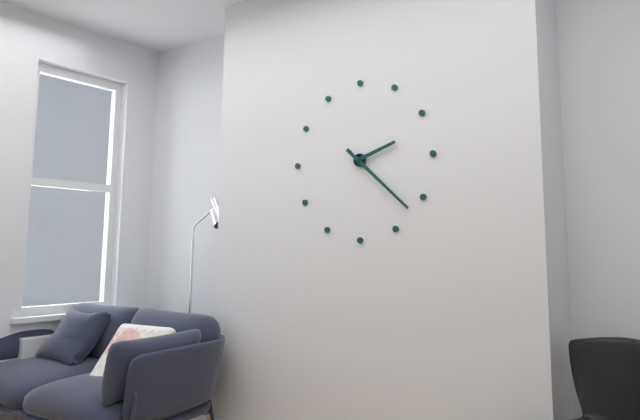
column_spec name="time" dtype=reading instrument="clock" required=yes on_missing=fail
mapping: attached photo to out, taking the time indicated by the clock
2:22
